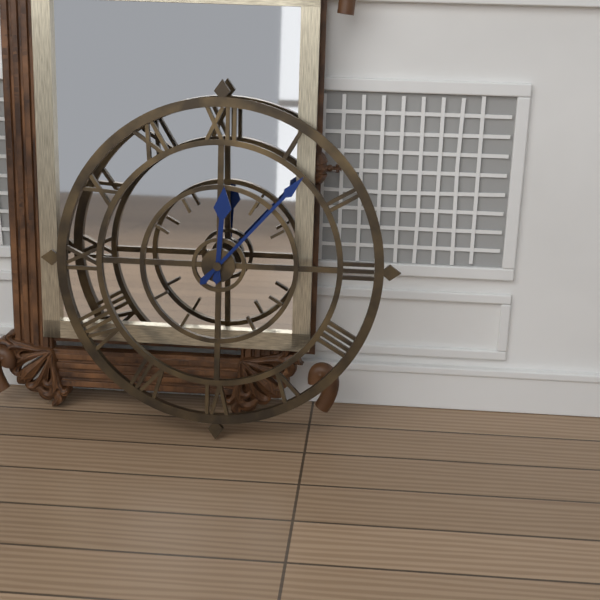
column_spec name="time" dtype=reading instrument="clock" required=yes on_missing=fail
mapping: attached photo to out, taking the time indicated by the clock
12:07
